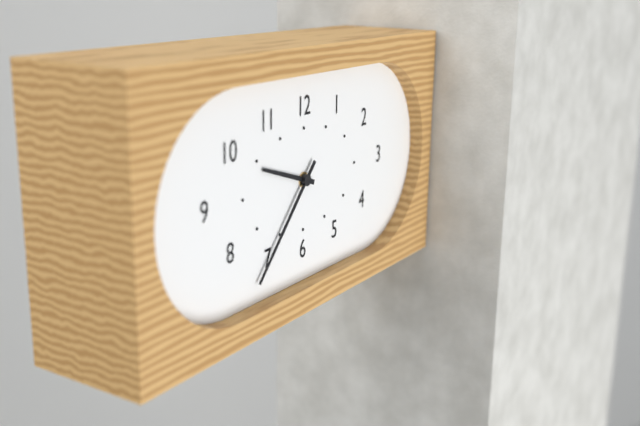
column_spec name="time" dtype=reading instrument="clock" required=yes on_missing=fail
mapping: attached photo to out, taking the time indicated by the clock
9:37
